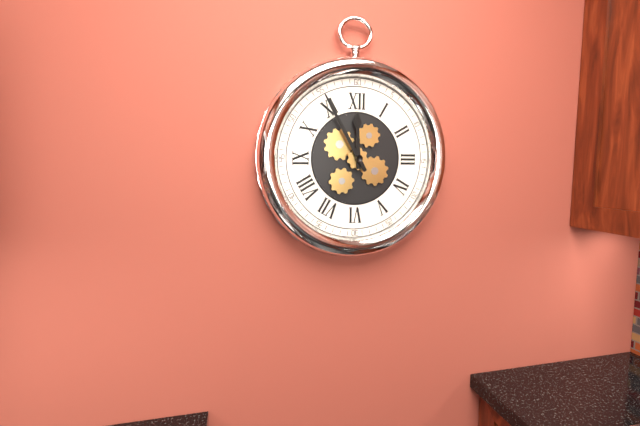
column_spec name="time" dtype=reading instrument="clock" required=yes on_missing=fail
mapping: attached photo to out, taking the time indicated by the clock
11:55
